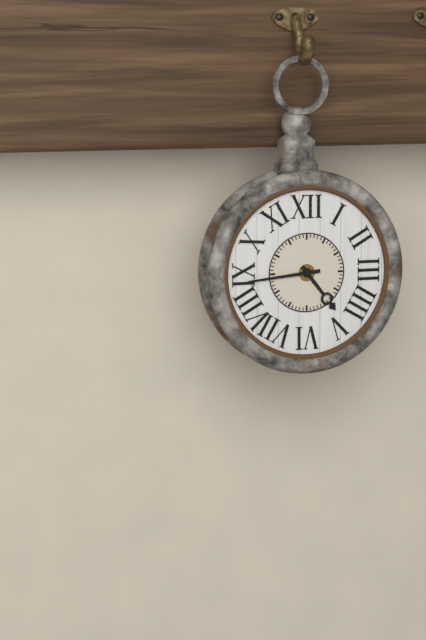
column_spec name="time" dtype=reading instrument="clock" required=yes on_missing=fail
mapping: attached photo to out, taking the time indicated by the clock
4:44
